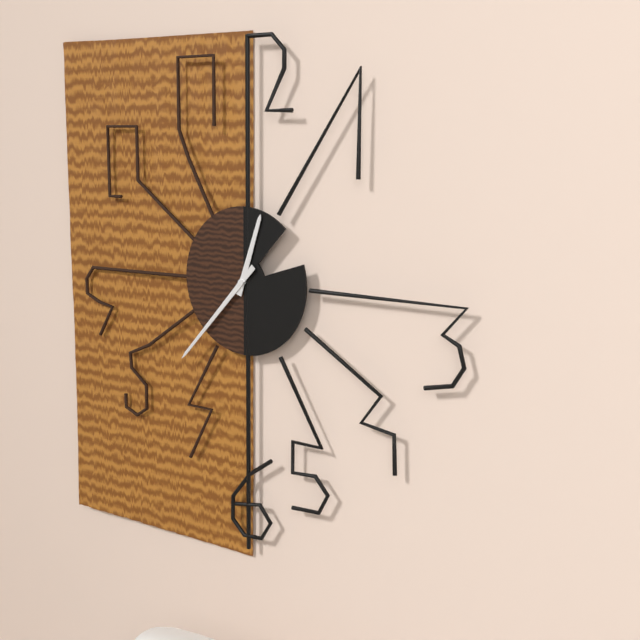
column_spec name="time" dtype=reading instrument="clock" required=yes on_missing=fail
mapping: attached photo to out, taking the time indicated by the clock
12:37
